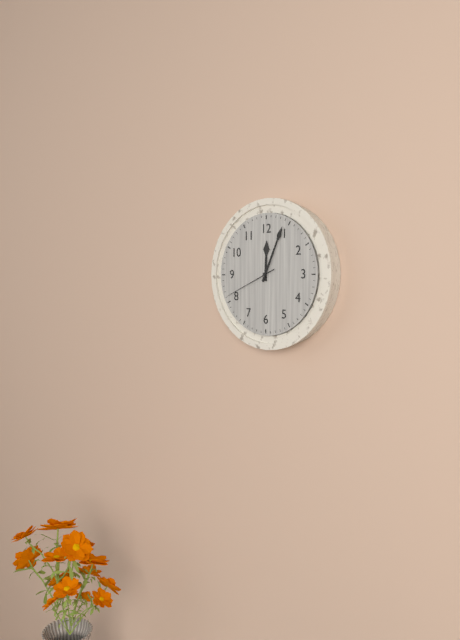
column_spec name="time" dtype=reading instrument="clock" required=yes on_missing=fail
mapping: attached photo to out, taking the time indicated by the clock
12:04:41
